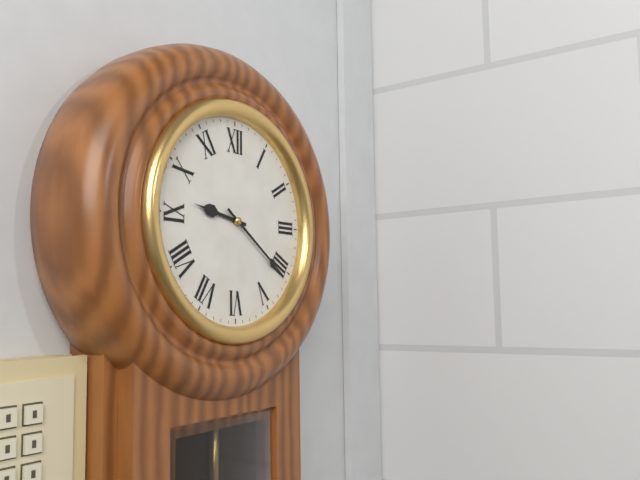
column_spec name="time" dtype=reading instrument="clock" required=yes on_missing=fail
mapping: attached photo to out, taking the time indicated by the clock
9:21
